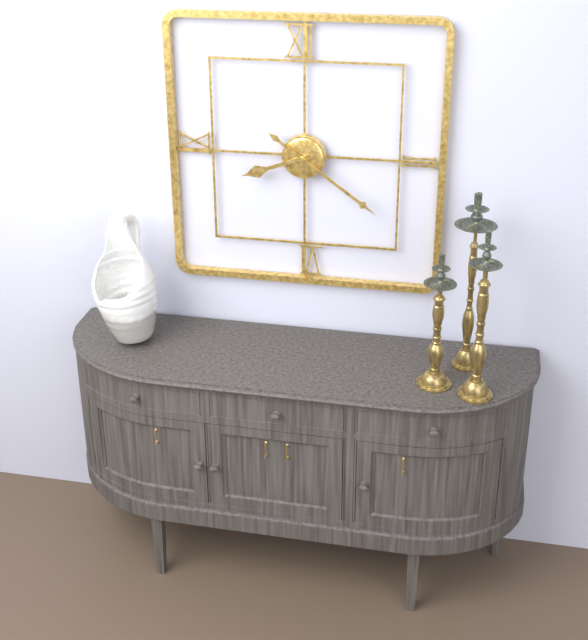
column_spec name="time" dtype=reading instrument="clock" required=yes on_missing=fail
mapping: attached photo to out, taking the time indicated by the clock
8:21
